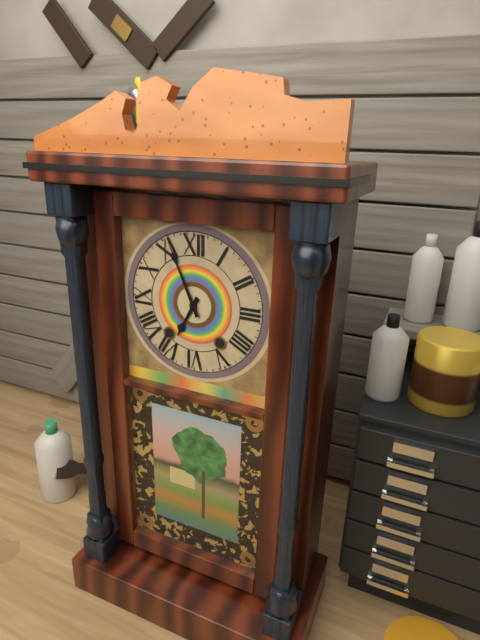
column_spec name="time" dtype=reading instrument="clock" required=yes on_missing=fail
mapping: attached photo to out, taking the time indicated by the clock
6:56
